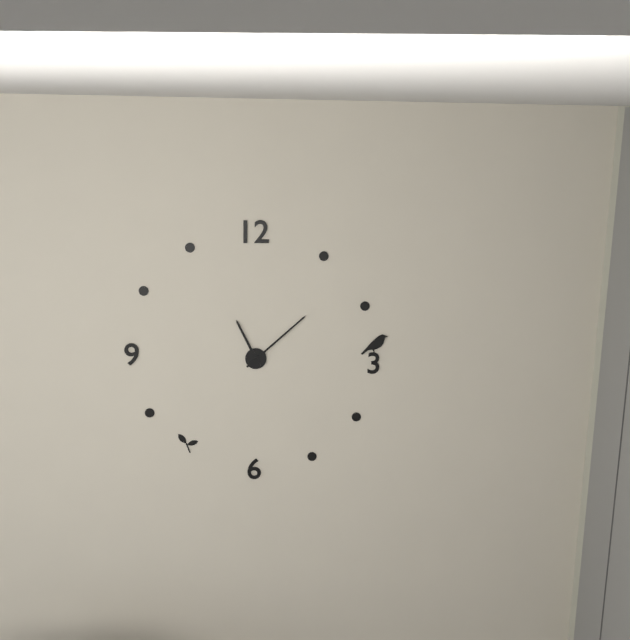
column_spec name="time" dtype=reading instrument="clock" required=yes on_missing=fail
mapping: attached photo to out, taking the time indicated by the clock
11:08
